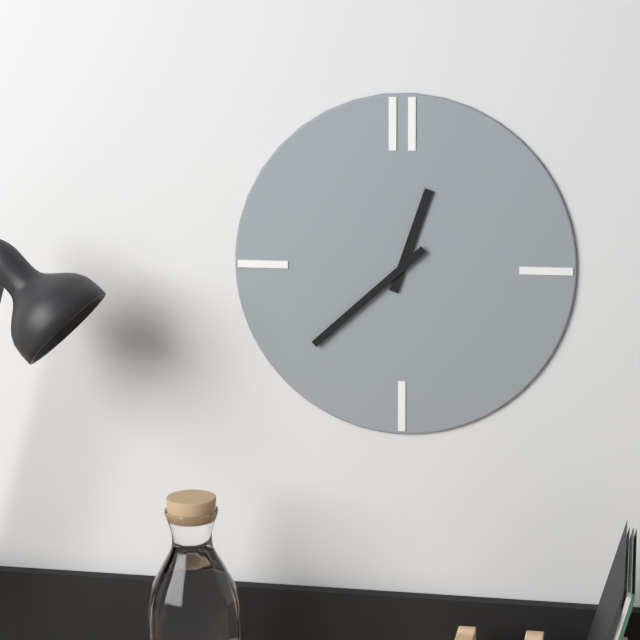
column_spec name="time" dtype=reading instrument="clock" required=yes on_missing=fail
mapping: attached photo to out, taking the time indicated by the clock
12:38
